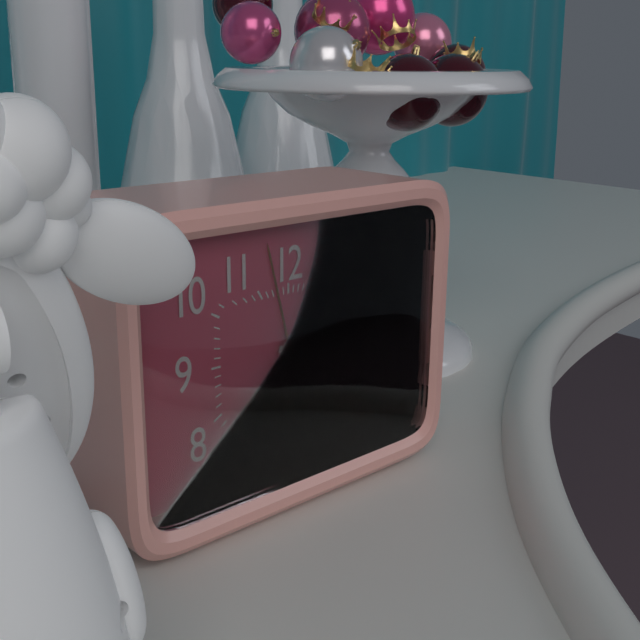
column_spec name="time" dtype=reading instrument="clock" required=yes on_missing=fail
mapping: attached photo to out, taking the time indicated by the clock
6:17
